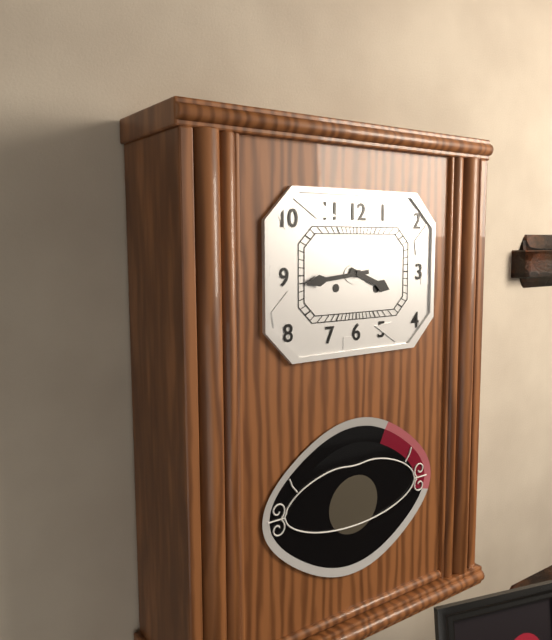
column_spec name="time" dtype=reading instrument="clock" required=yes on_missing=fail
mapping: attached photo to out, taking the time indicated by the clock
3:44
